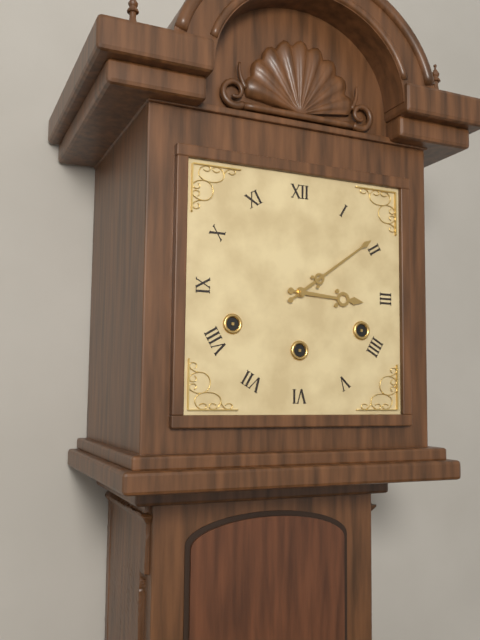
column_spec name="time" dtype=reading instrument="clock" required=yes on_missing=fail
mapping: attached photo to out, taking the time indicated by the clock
3:09
